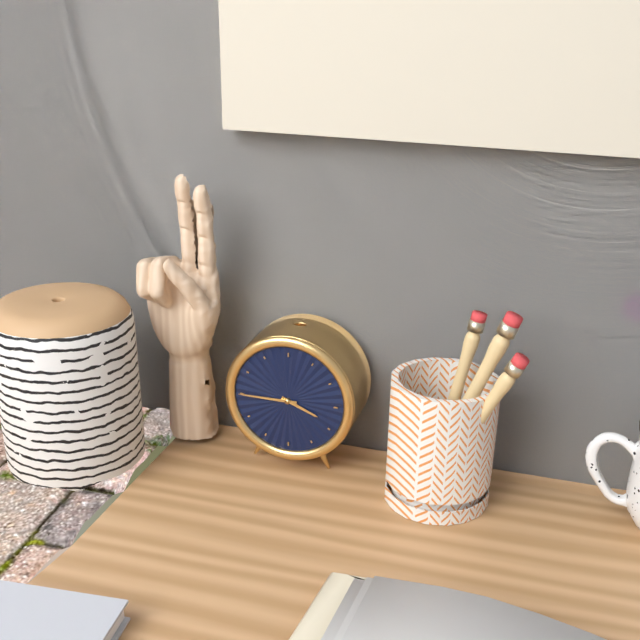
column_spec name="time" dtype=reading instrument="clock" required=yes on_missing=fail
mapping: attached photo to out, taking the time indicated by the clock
3:45
